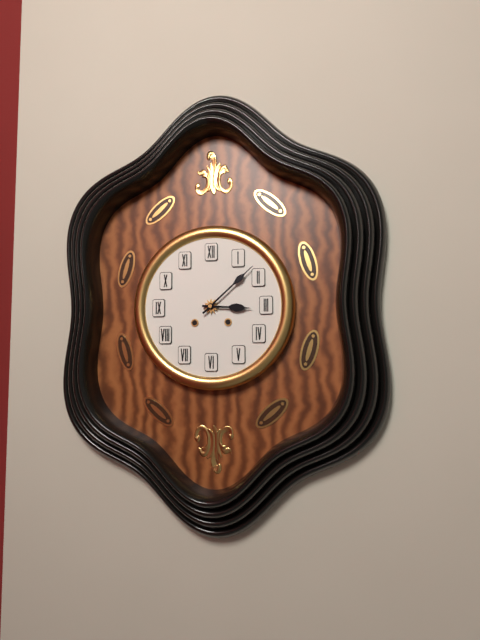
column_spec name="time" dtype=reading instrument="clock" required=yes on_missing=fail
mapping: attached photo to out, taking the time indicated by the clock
3:08
